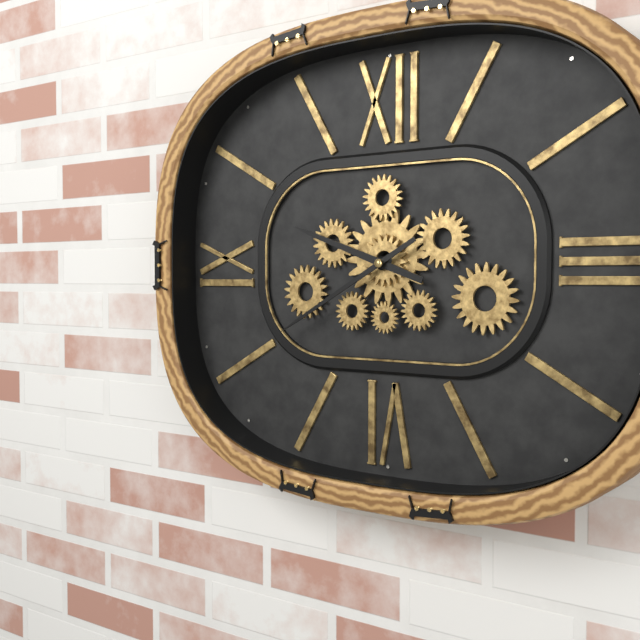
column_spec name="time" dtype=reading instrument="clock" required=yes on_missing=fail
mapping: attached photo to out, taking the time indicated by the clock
9:40
